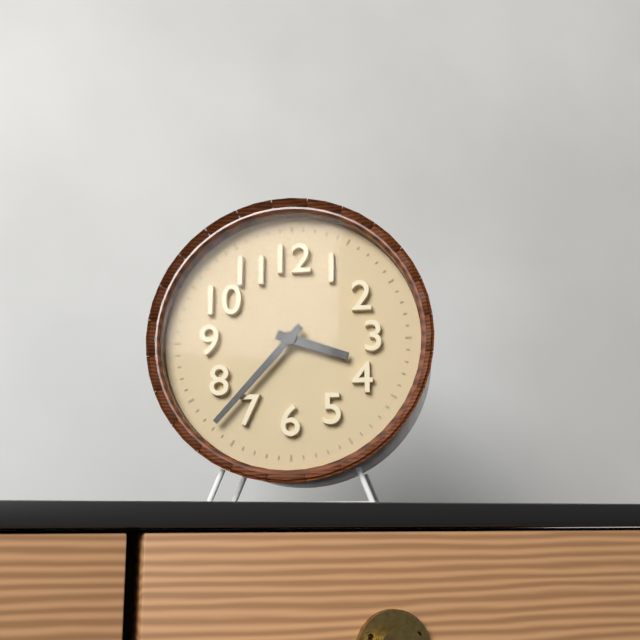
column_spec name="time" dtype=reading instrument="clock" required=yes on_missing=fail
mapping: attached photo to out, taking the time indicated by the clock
3:37
